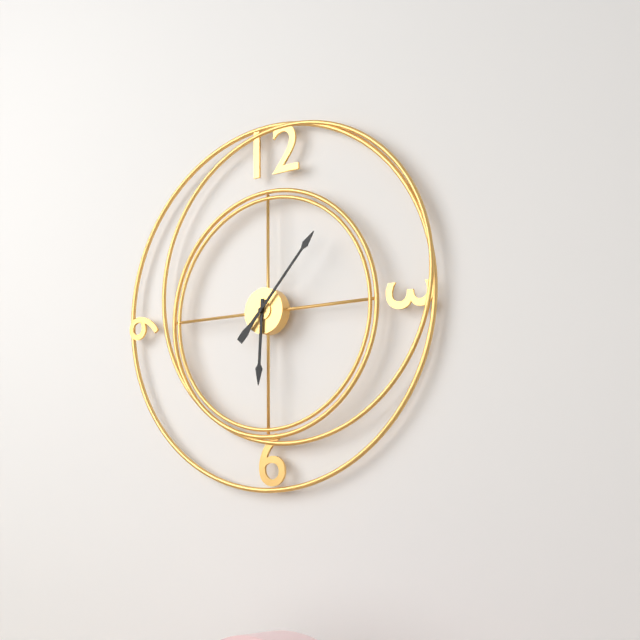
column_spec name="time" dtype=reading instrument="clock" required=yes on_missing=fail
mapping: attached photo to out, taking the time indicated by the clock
6:07
